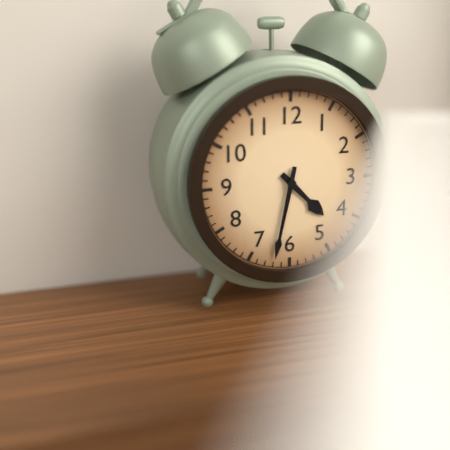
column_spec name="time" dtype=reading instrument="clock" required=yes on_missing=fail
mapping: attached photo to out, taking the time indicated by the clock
4:32
